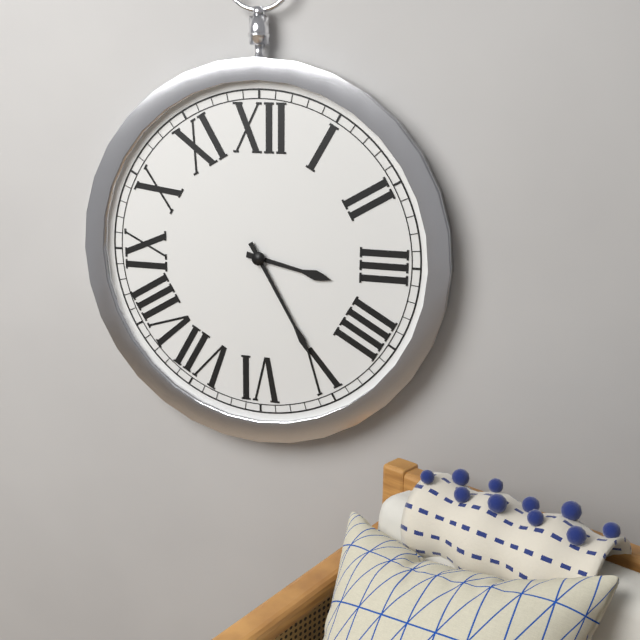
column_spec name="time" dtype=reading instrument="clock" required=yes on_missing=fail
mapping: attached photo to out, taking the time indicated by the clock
3:25
